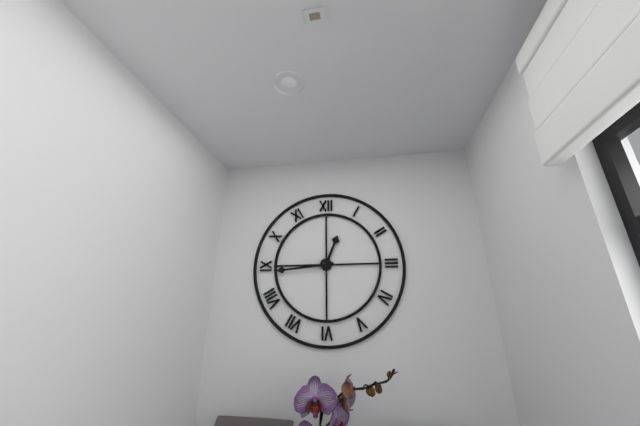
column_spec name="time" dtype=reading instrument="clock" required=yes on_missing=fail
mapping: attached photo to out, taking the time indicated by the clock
12:44
